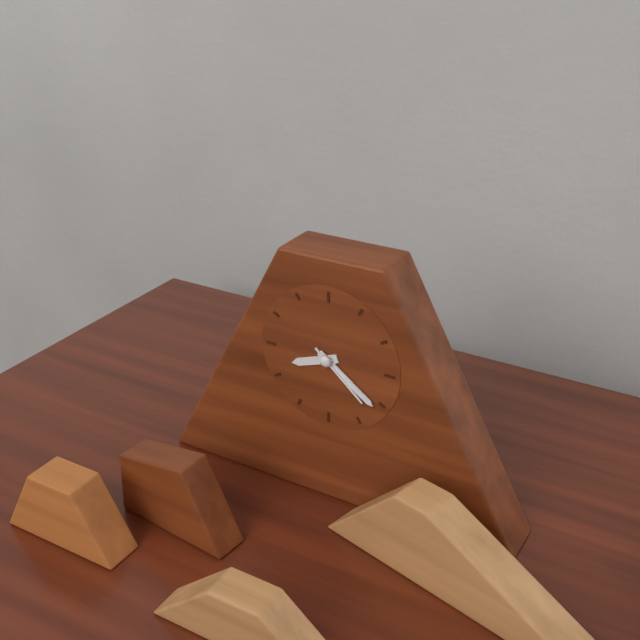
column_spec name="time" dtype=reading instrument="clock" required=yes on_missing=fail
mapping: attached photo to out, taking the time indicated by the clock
8:21:22
